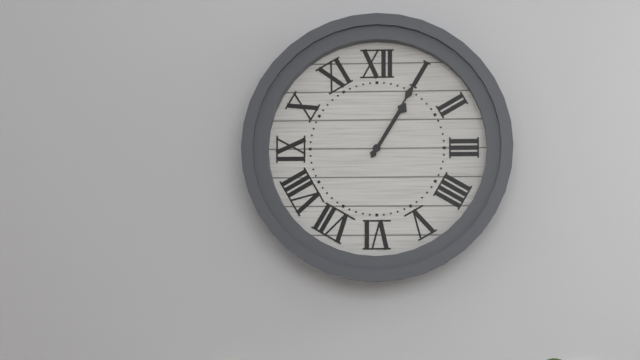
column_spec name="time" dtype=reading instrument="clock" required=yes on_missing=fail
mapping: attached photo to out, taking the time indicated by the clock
1:05
